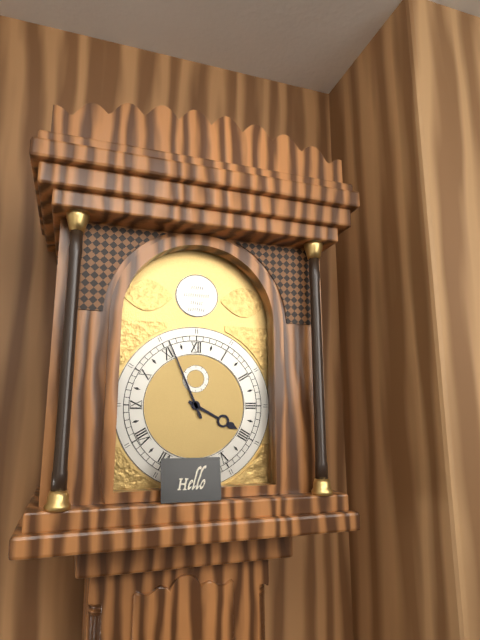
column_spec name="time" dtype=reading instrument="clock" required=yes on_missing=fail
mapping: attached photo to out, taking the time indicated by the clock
3:56
